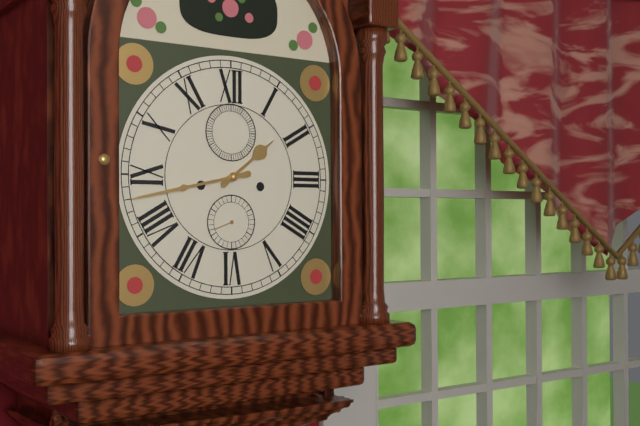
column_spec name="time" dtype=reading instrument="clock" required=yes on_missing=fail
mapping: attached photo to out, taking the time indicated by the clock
1:43
